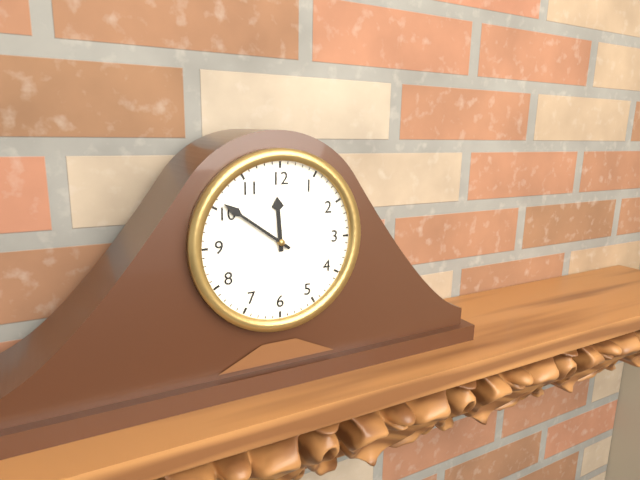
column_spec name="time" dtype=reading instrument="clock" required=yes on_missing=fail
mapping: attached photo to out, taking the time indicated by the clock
11:51
